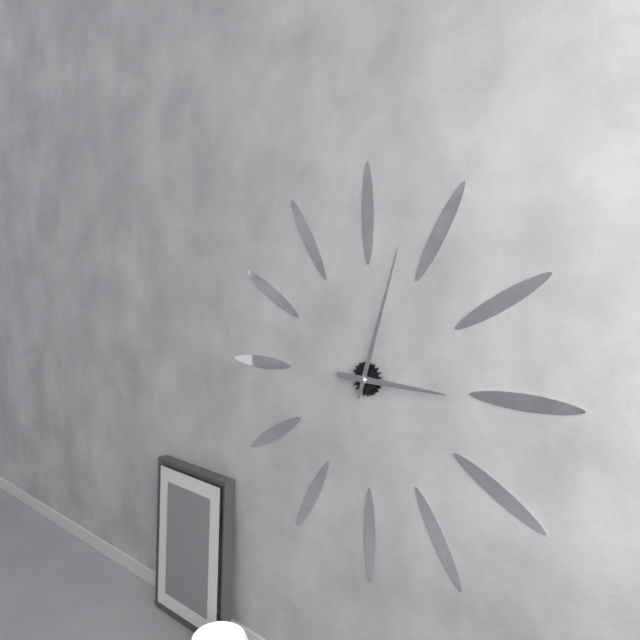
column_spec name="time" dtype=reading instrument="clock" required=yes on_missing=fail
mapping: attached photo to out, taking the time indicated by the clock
3:03
